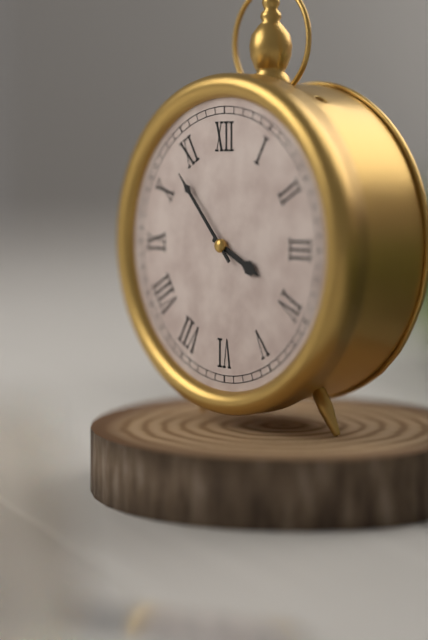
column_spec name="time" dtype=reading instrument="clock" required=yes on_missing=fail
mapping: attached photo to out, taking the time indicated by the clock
3:53
